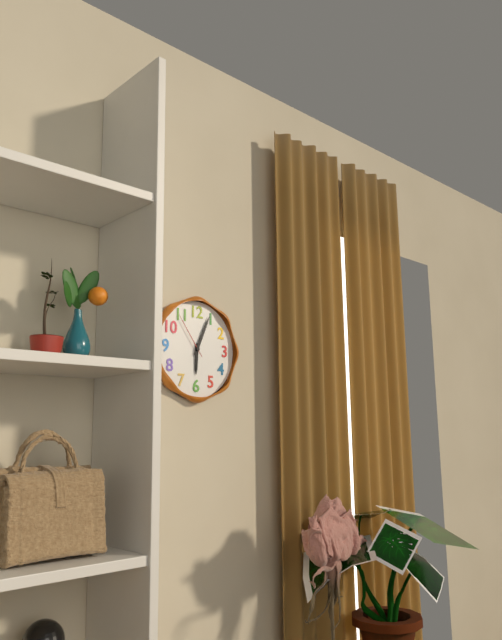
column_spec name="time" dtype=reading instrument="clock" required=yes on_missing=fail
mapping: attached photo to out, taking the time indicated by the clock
6:04:54
